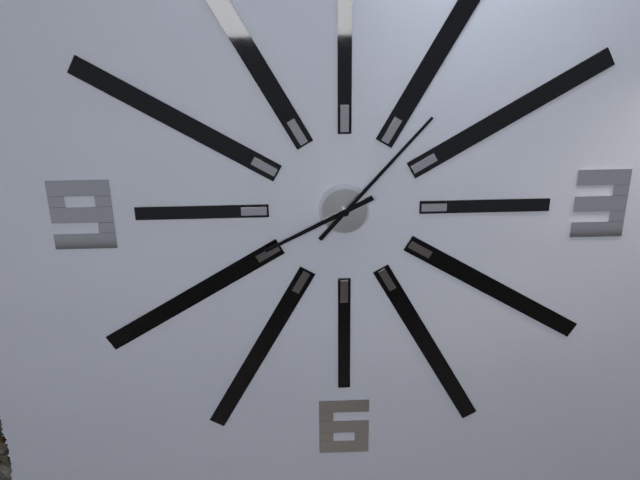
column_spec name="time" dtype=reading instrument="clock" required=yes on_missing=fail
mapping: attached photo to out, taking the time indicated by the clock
8:07
